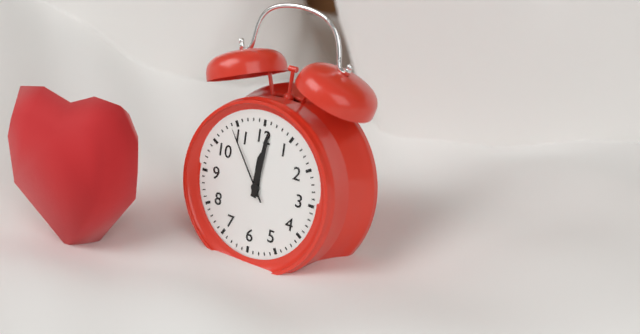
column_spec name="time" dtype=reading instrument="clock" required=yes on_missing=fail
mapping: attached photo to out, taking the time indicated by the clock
12:01:54
